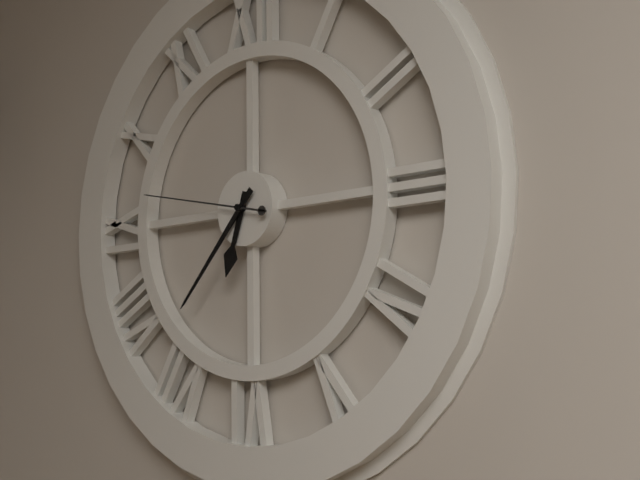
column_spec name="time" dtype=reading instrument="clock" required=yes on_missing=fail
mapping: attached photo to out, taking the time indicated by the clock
6:37:47
